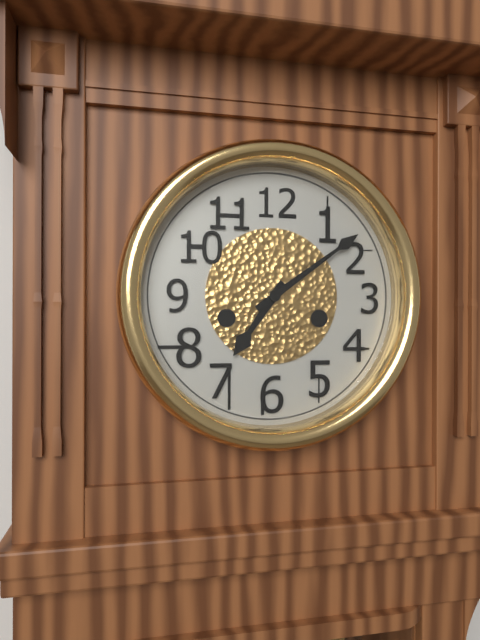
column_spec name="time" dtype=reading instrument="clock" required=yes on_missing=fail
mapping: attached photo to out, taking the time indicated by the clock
7:09
